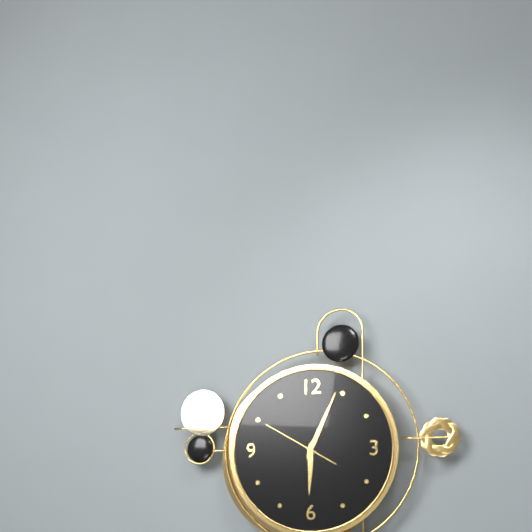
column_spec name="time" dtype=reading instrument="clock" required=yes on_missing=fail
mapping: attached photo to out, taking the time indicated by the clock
6:04:50
